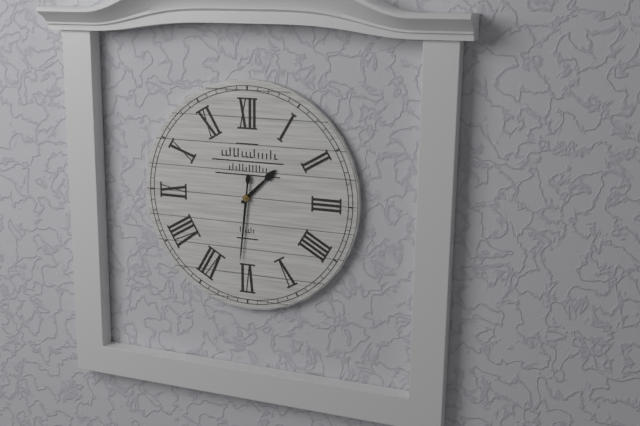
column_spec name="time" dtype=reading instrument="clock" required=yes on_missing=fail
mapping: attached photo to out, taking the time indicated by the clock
1:31
